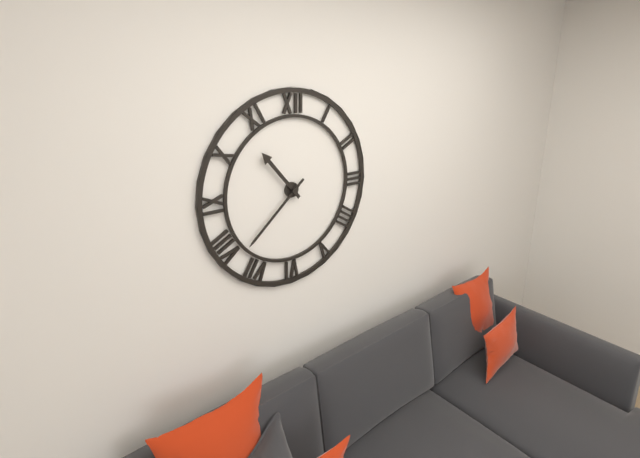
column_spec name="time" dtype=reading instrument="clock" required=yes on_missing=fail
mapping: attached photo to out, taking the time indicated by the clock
10:38
